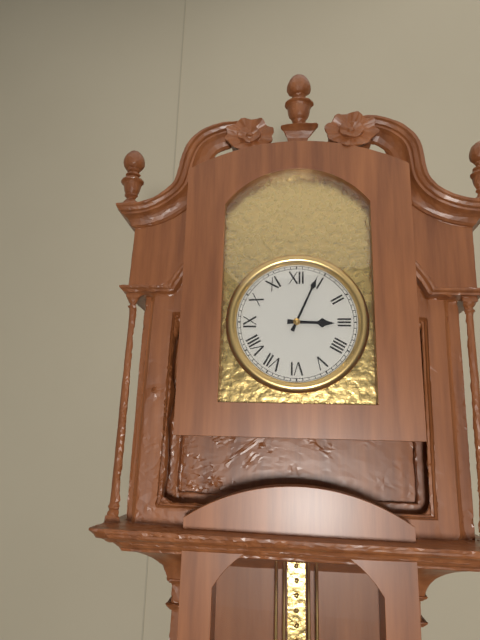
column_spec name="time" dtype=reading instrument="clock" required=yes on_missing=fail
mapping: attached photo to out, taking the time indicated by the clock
3:04
